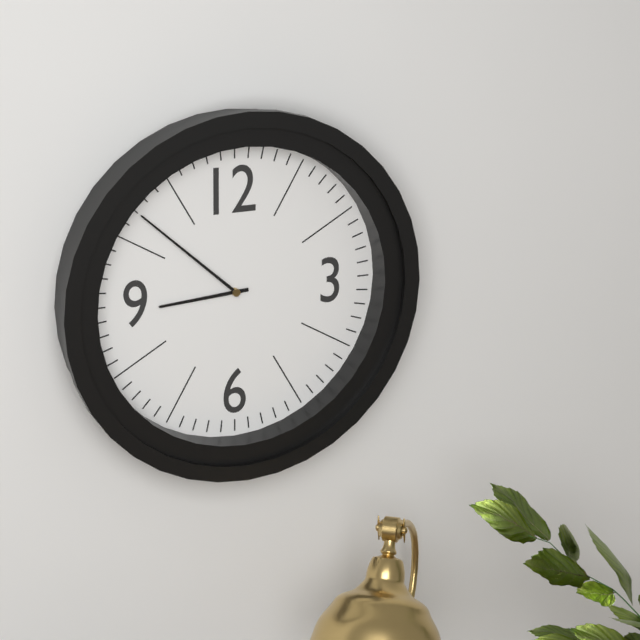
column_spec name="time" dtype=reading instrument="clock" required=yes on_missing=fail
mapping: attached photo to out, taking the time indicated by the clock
8:52
